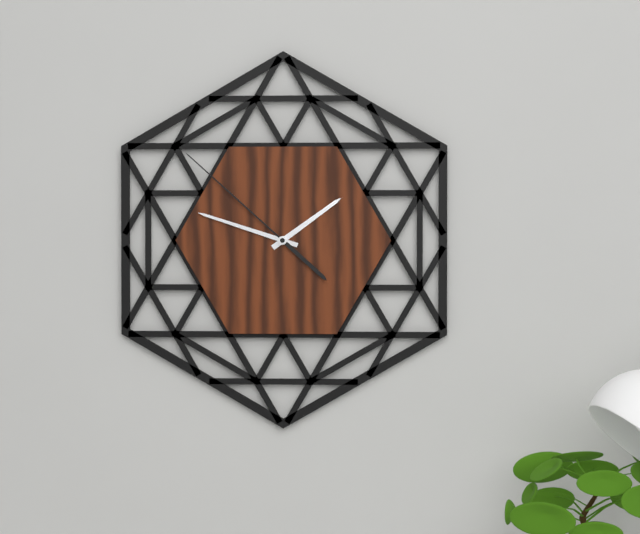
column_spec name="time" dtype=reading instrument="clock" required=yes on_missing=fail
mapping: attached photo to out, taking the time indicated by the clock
1:48:52
